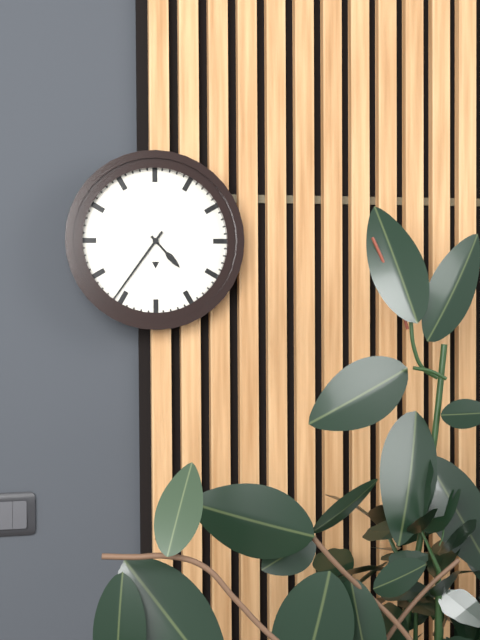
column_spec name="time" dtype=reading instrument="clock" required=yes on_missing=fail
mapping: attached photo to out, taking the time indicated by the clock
4:36
